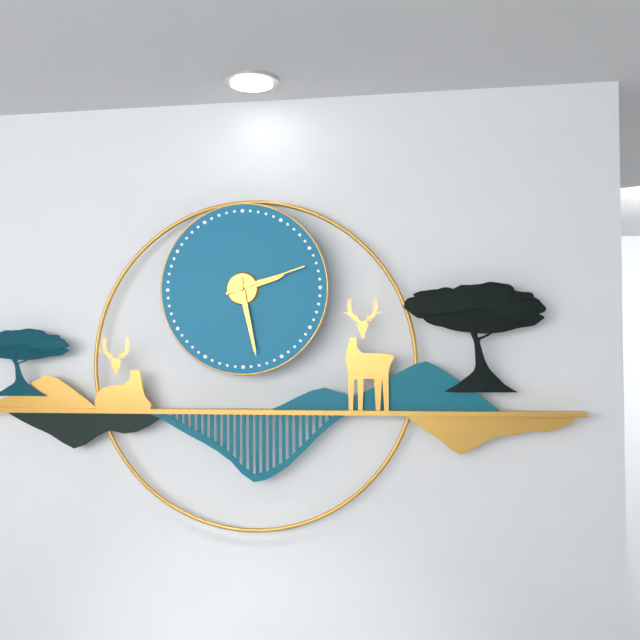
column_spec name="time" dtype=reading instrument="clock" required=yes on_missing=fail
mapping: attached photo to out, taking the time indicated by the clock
2:28:12
